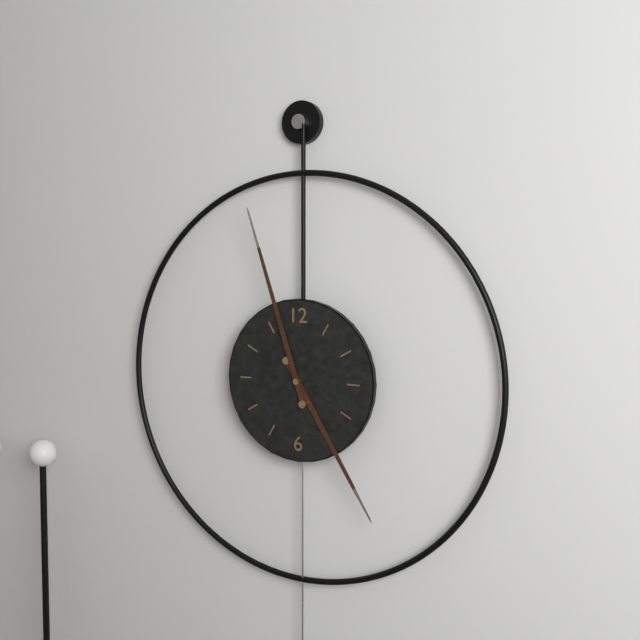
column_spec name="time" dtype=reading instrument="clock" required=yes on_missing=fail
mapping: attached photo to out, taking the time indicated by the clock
4:57
